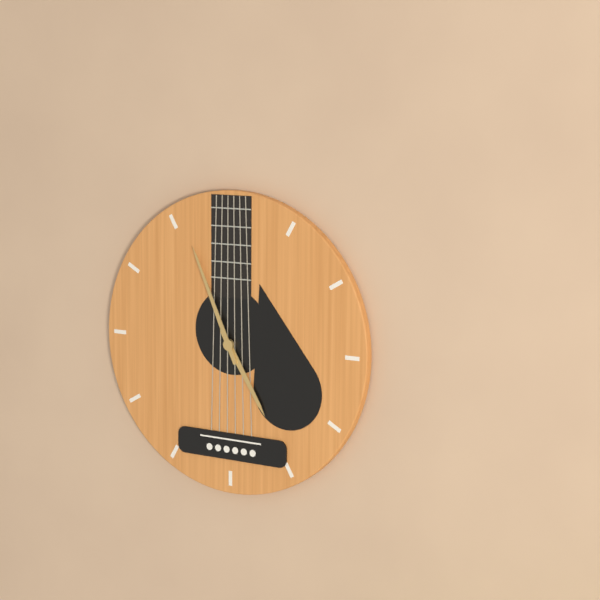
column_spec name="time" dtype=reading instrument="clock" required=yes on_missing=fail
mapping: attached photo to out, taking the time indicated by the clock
4:56
